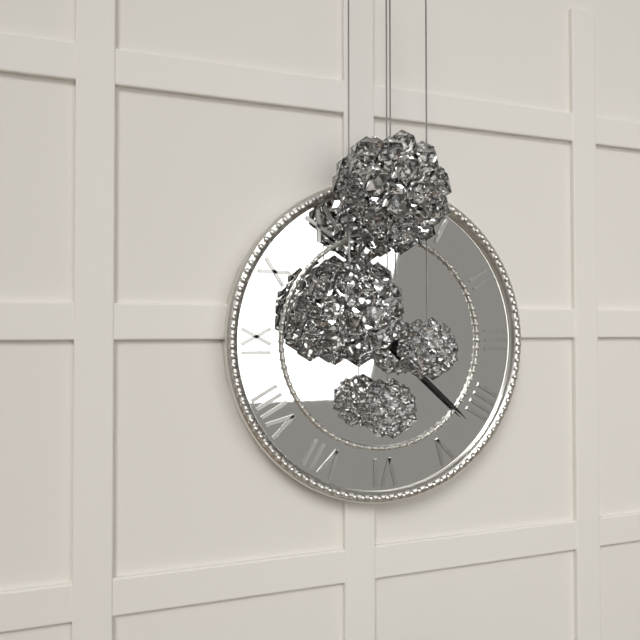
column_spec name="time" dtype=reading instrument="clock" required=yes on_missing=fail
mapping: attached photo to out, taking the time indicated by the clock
3:22
